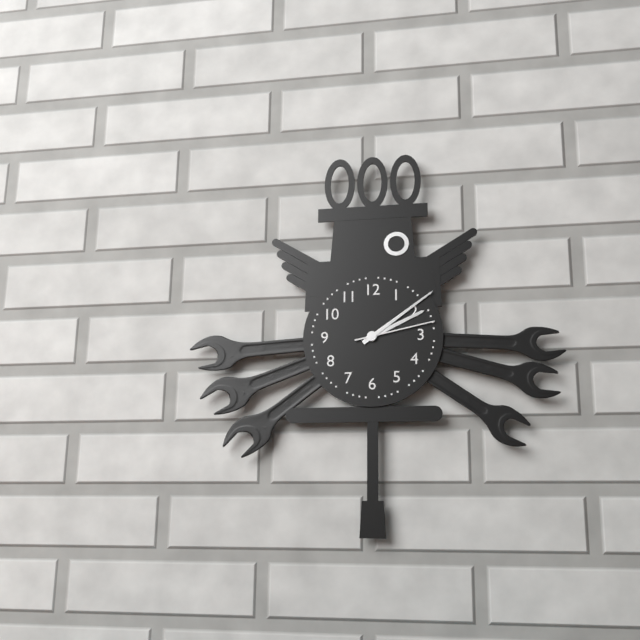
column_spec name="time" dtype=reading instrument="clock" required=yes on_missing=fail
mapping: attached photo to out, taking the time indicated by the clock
2:09:13
